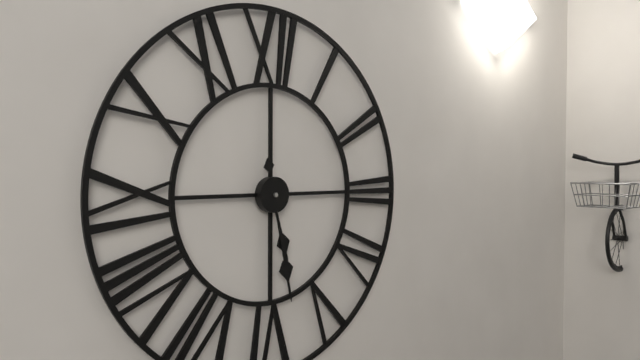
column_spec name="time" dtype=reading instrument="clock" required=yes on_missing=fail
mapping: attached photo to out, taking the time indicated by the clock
5:28
